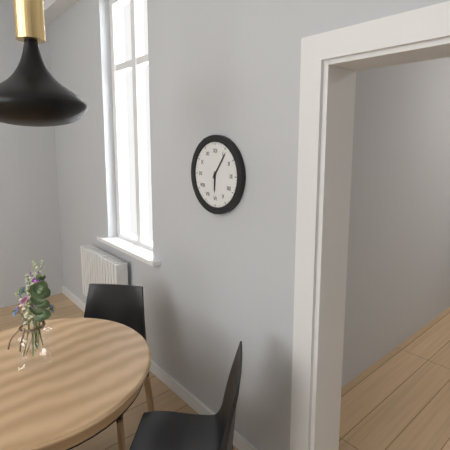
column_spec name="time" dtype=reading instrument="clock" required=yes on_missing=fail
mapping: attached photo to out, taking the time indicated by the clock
6:06
